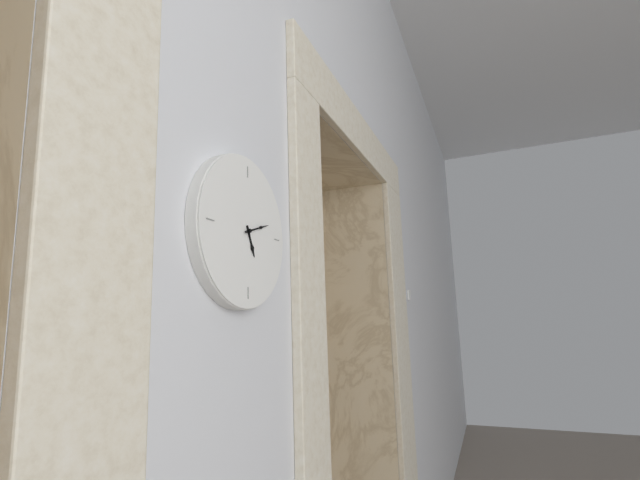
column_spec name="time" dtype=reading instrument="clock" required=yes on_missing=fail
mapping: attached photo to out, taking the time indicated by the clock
5:12
